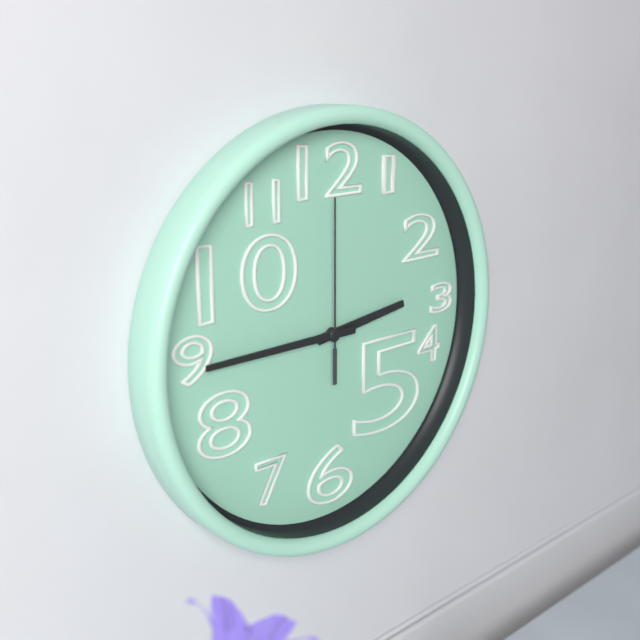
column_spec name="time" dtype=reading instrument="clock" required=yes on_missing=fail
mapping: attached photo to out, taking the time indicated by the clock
2:45:00
